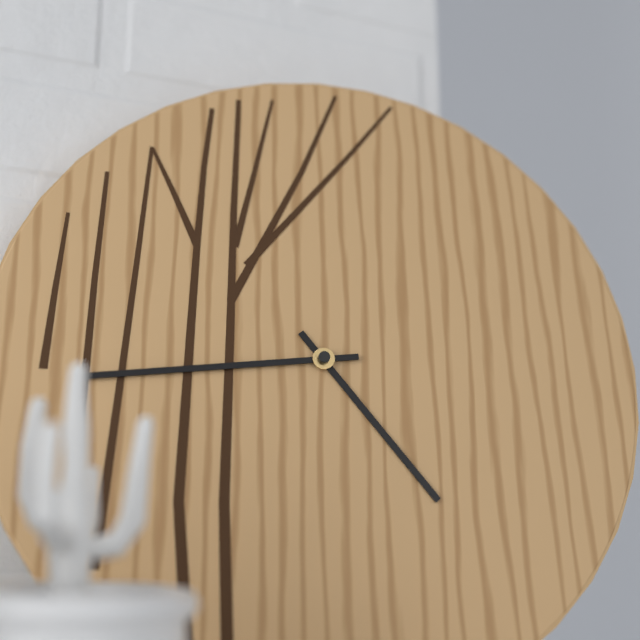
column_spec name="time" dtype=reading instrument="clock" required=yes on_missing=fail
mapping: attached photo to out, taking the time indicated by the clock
4:44
